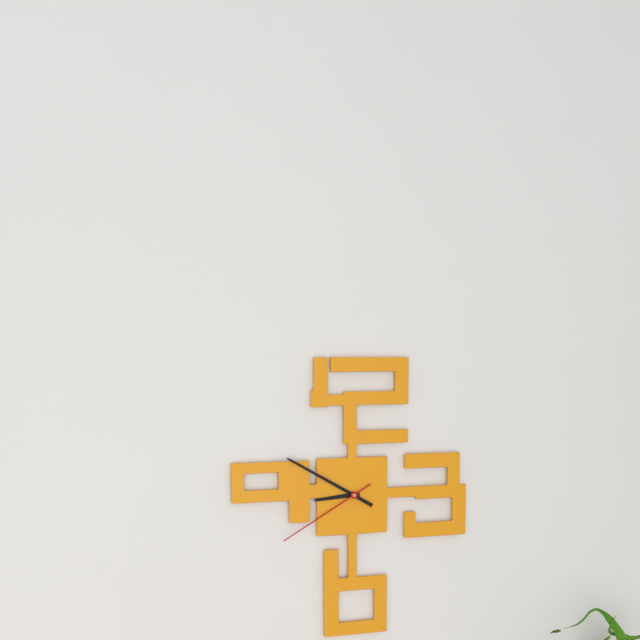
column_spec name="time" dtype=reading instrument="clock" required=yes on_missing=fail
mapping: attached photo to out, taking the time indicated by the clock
8:50:40
